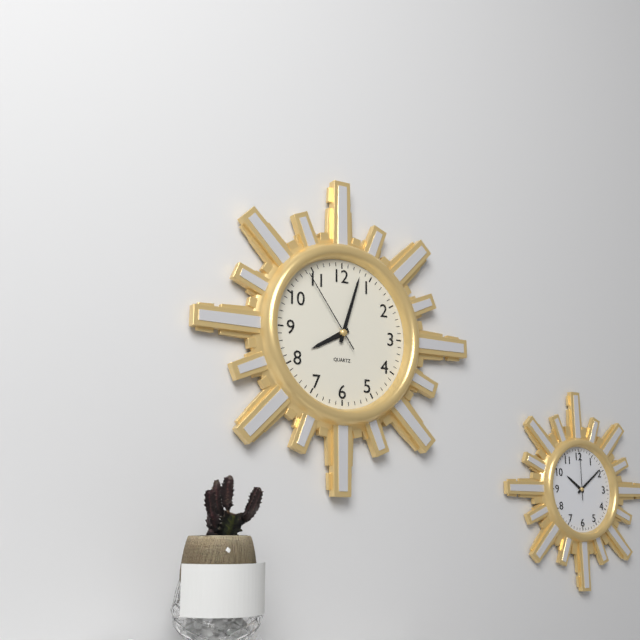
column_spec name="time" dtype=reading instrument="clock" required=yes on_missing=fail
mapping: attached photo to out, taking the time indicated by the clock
8:03:54
